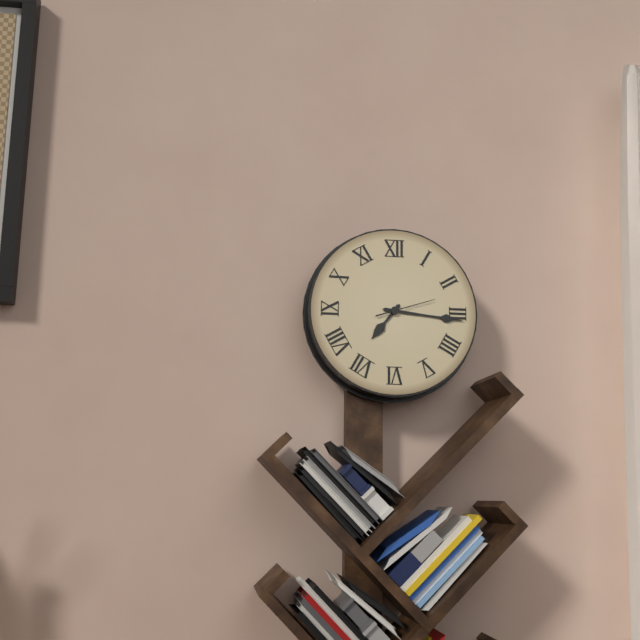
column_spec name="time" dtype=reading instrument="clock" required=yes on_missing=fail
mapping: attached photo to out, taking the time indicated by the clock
7:16:12
